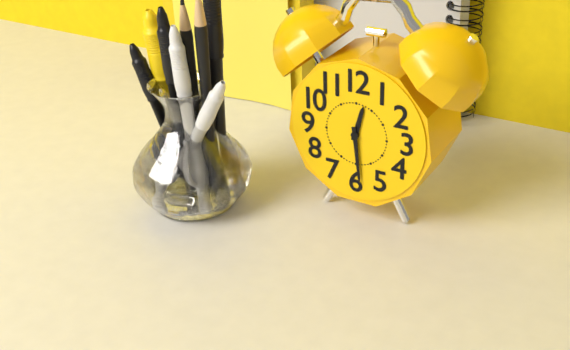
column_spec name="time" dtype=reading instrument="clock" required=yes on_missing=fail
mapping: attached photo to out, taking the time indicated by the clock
12:29
